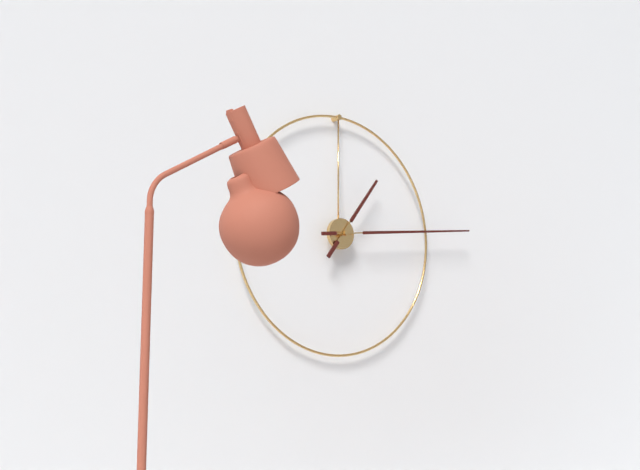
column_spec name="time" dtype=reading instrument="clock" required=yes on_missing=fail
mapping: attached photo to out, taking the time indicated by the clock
1:14
